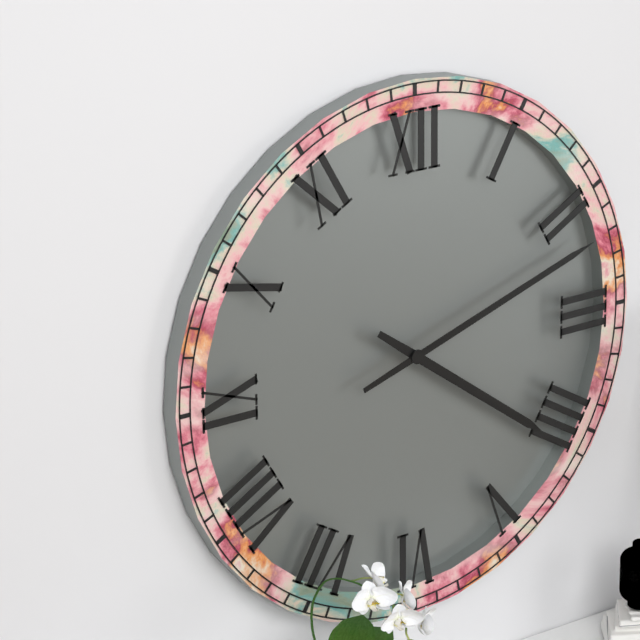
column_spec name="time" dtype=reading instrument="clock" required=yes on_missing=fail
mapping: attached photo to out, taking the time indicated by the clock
4:12
